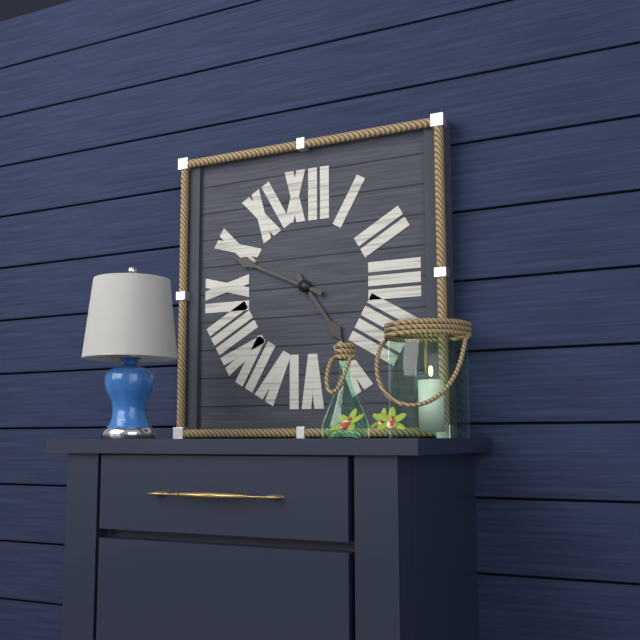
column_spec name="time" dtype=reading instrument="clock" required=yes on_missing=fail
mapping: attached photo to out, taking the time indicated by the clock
4:49
